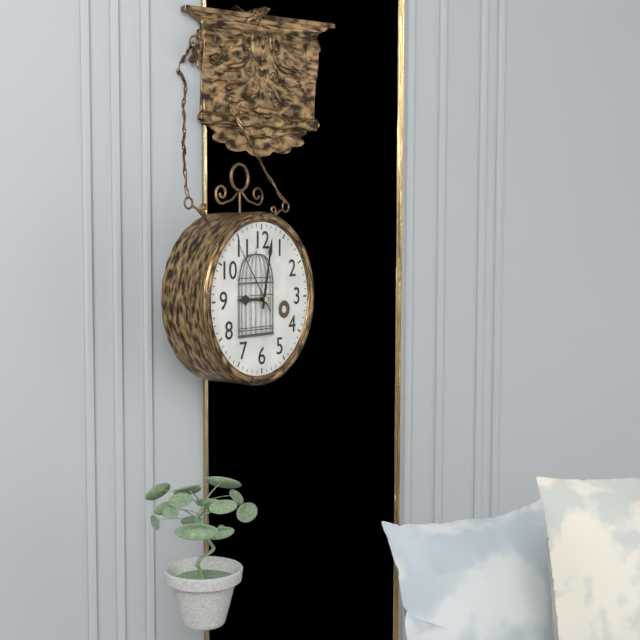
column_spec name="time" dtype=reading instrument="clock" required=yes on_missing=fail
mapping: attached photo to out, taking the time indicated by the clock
9:02:54
